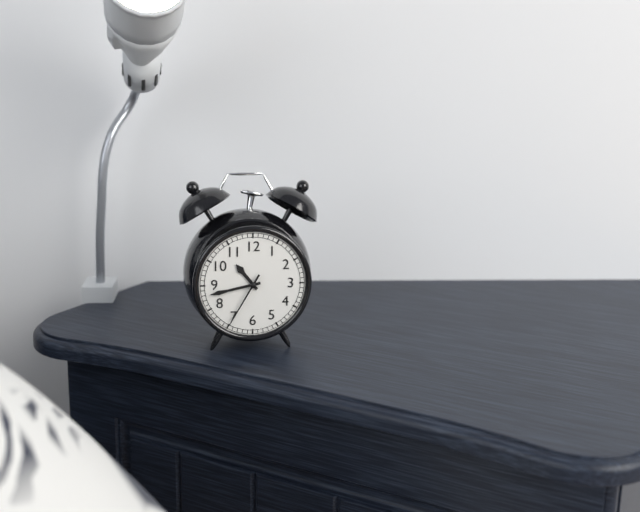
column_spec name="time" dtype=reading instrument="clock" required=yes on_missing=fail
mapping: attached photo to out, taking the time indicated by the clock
10:43:35
